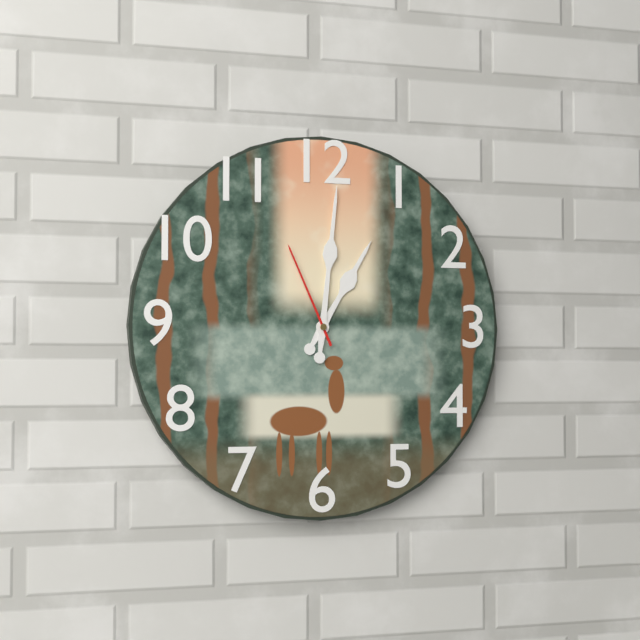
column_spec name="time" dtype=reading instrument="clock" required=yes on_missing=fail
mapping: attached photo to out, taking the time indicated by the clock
1:01:56
